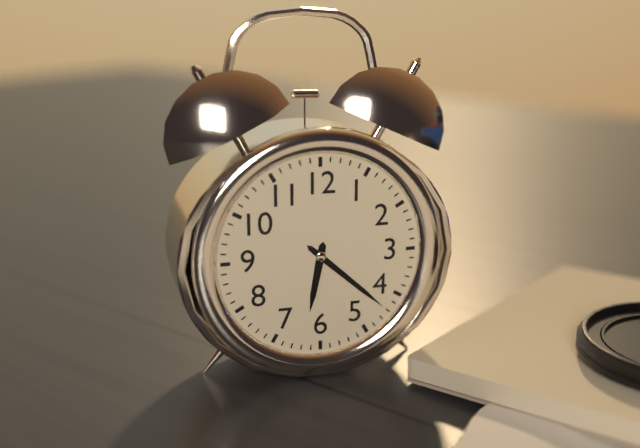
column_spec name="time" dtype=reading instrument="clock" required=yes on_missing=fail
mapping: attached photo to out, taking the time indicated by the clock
6:22
